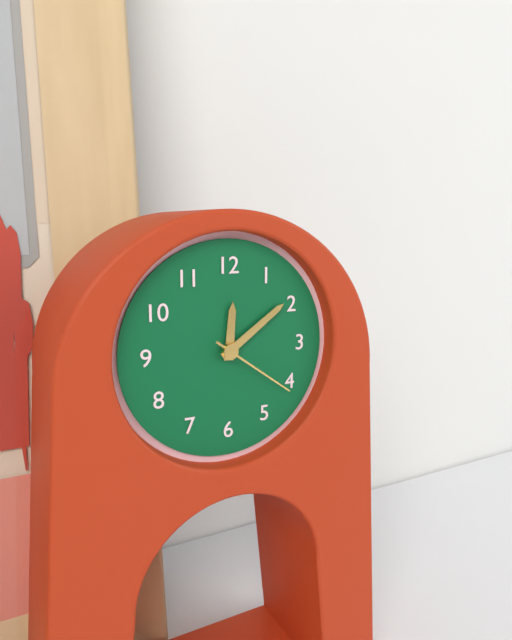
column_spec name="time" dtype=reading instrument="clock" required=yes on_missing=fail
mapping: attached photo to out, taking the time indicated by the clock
12:09:21
